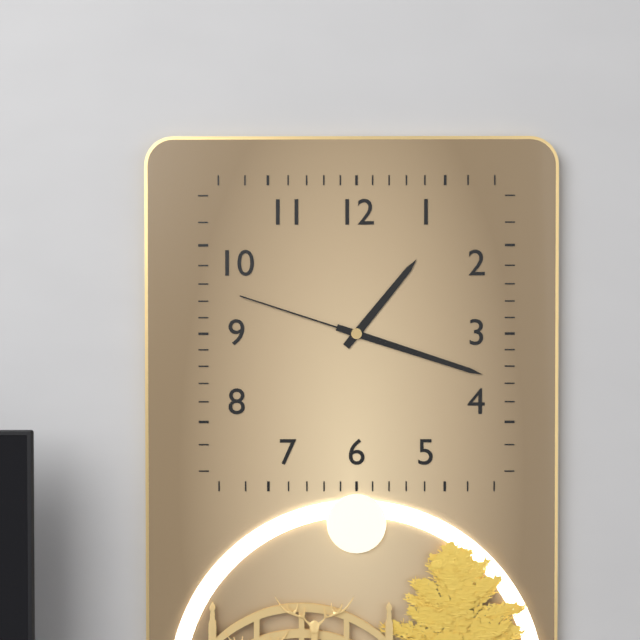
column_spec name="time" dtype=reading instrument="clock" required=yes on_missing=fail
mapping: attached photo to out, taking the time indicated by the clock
1:18:48
